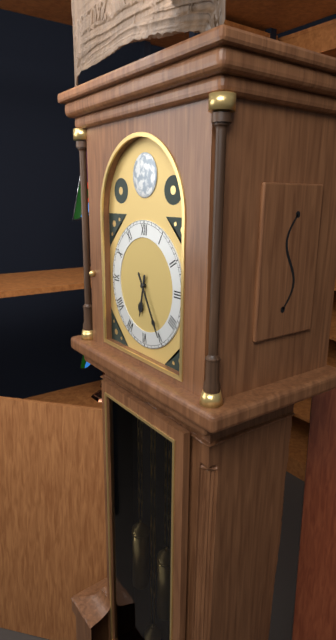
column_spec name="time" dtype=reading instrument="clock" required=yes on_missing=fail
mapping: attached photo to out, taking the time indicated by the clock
6:25
